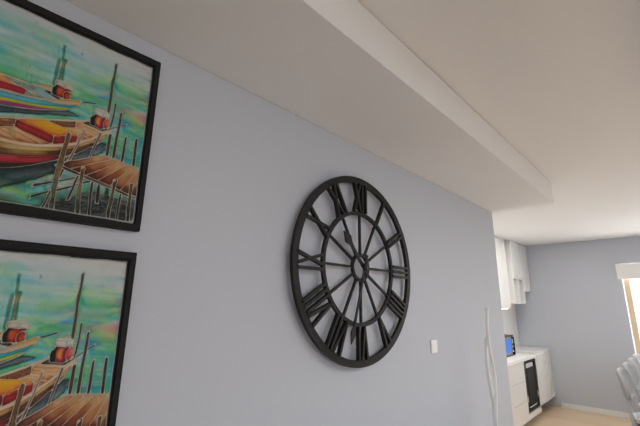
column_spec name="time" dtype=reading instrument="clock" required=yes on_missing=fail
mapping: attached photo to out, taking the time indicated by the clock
10:33
